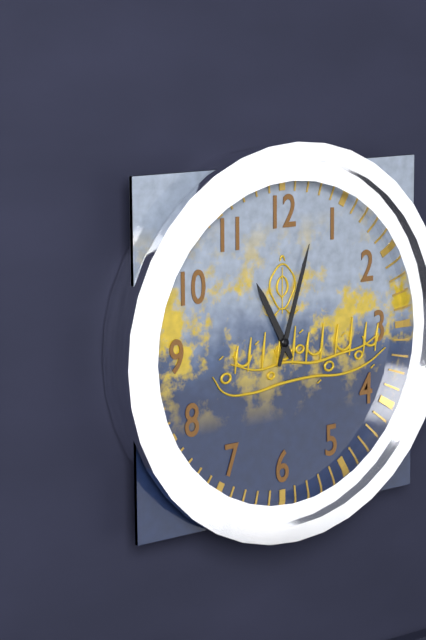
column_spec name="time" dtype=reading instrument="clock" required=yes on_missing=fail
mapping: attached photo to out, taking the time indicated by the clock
11:03
